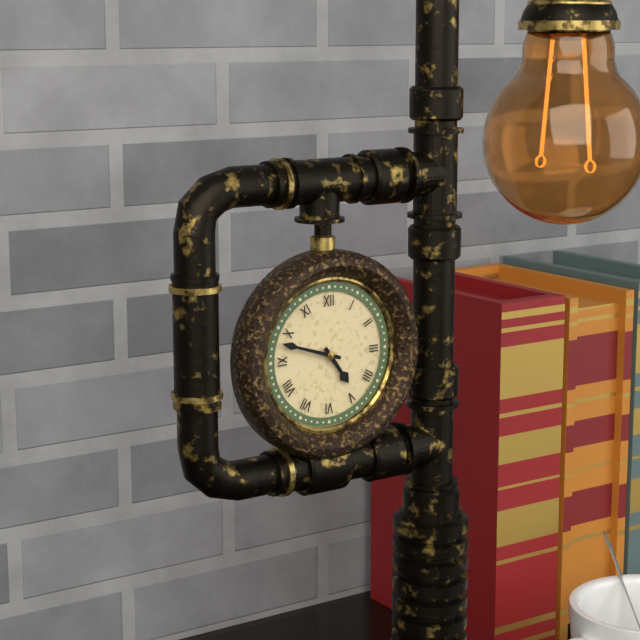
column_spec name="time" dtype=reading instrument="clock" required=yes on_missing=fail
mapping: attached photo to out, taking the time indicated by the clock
4:48
